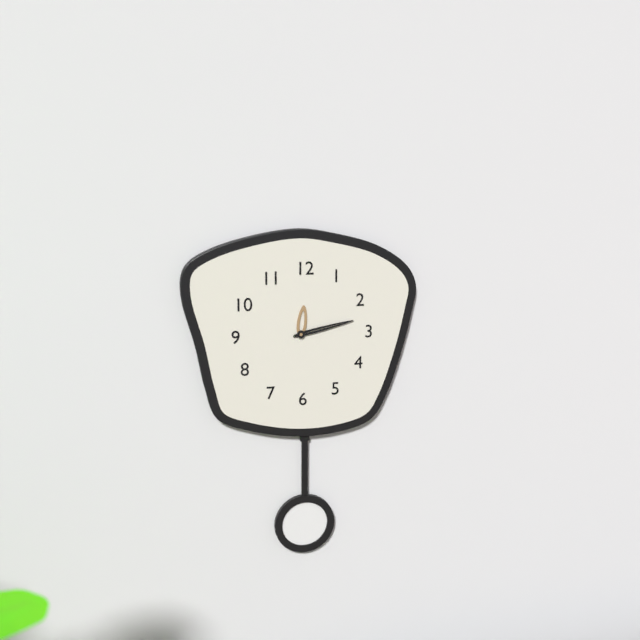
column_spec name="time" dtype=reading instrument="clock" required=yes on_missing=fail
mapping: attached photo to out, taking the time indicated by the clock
12:13
